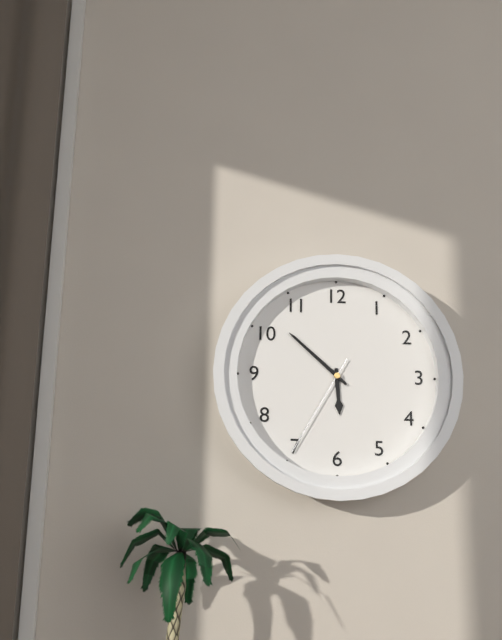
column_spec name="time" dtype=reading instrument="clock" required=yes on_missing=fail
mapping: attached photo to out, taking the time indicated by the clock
5:52:35
